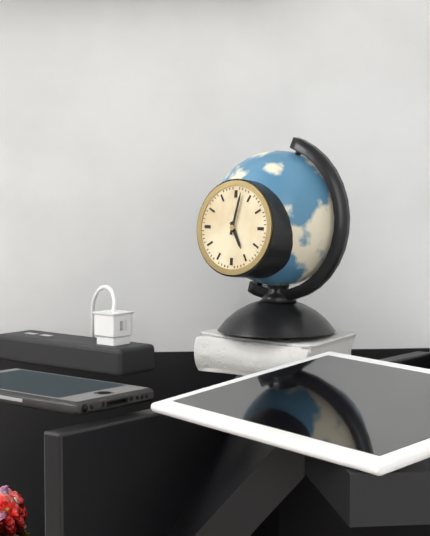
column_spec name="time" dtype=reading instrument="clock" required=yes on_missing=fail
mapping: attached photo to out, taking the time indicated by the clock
5:02
